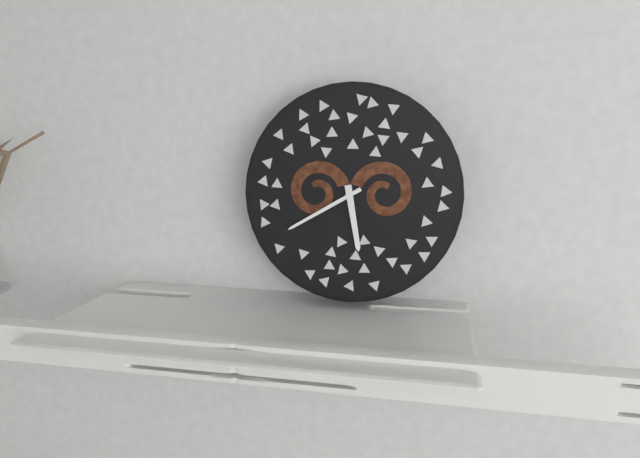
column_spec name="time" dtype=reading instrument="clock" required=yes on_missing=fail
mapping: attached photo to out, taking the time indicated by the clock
5:40
